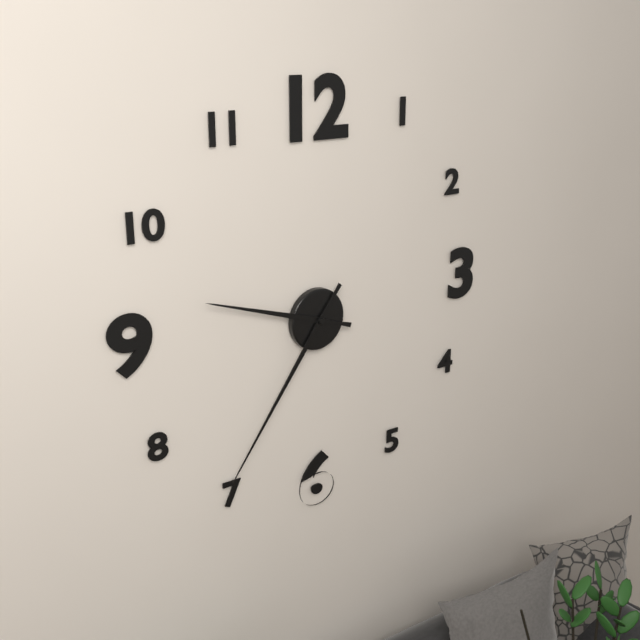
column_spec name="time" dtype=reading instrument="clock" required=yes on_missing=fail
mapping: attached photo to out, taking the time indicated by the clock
9:36
